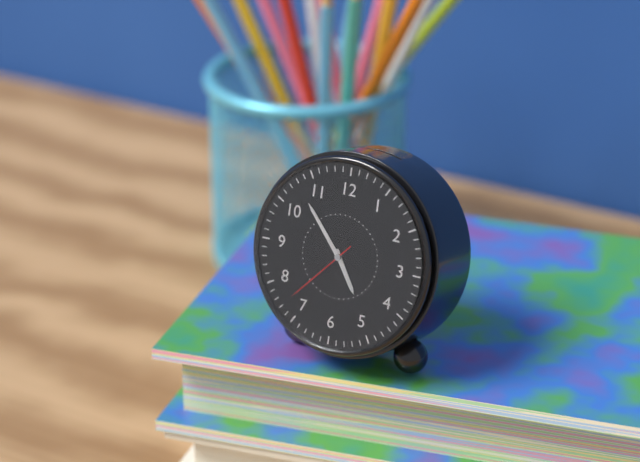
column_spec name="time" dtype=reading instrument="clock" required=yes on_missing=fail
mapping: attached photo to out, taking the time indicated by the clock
4:53:37
